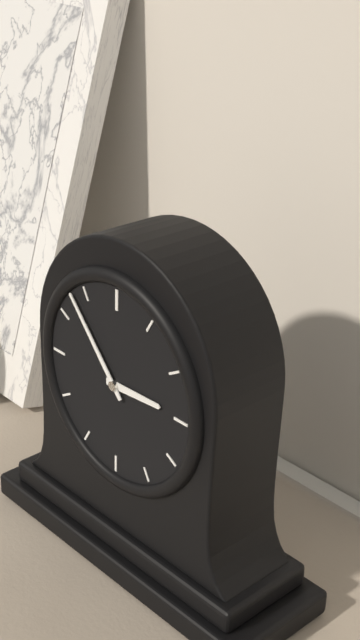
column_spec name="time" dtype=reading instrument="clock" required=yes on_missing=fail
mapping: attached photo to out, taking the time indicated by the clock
2:53
